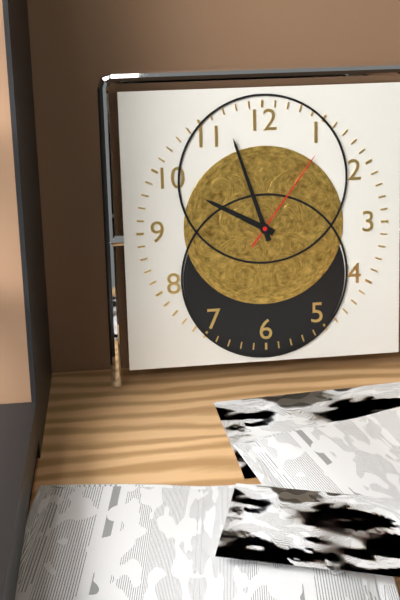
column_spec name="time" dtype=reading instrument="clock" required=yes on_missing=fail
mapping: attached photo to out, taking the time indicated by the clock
9:57:06
